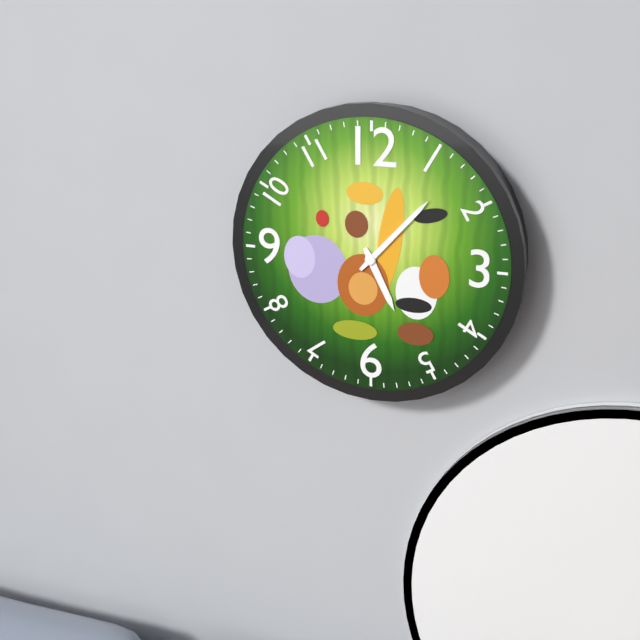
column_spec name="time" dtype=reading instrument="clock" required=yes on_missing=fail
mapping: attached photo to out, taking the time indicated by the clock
5:07
